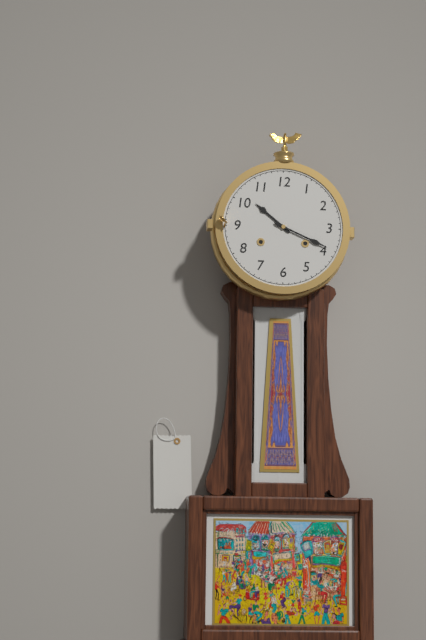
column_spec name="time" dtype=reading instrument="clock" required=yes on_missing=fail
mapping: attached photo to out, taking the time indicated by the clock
10:19
